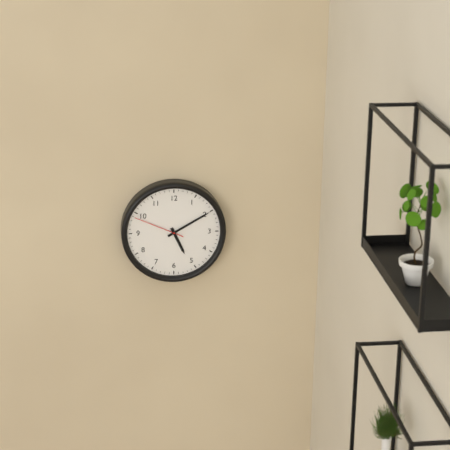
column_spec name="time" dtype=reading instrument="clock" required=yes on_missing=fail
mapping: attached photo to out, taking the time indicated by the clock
5:10:49
